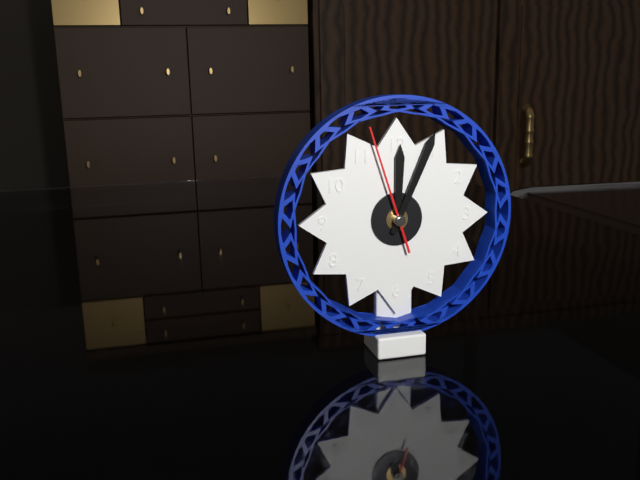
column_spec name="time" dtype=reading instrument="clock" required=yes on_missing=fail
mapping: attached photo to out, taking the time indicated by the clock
12:04:57
